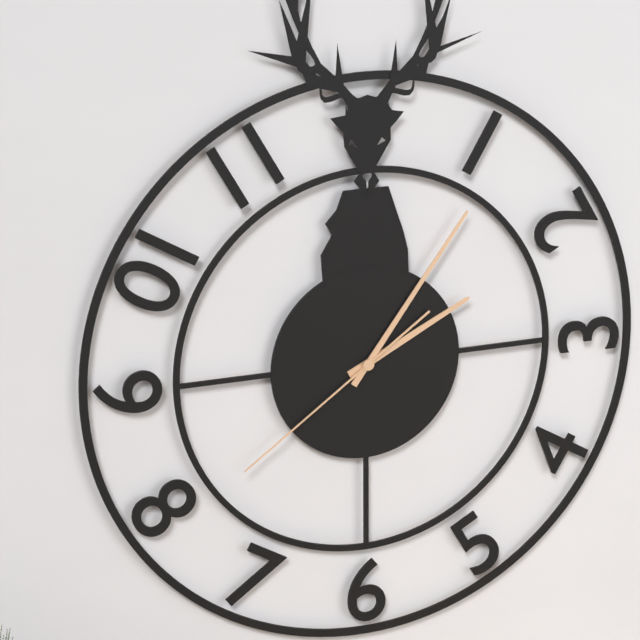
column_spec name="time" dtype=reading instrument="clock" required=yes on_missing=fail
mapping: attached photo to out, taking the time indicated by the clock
2:06:39
